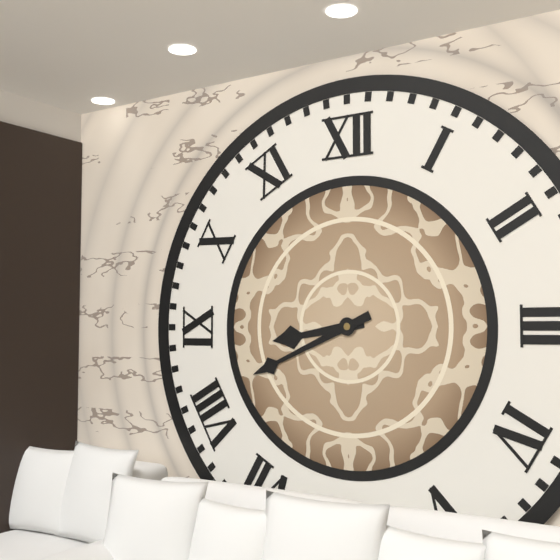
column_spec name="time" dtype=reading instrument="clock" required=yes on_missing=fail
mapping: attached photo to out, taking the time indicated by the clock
8:41
